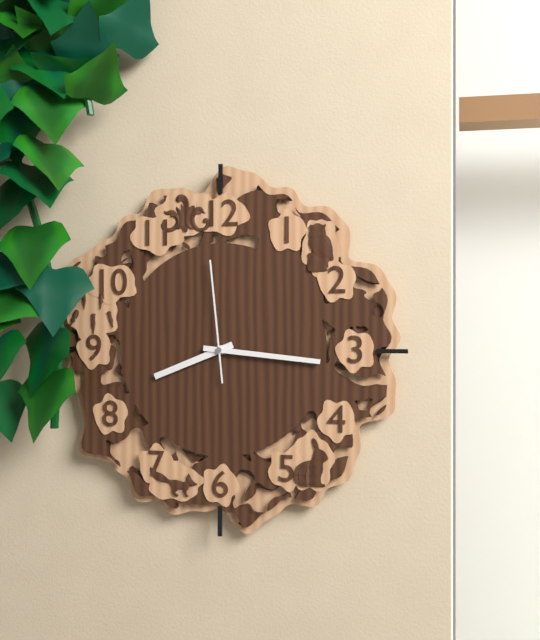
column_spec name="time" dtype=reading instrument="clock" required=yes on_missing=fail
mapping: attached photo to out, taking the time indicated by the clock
8:16:59
